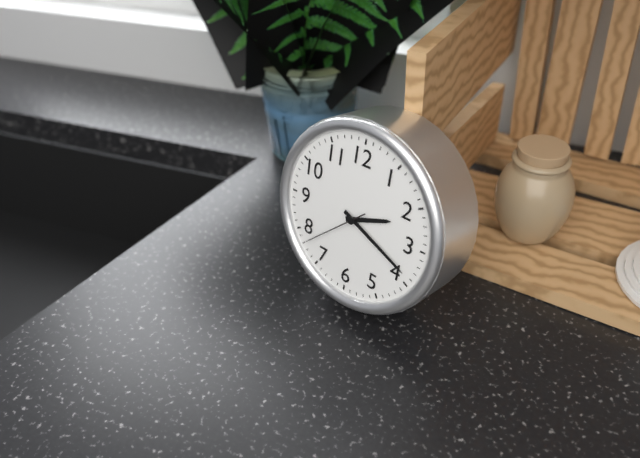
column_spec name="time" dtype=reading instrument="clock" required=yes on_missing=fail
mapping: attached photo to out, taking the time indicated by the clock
2:19:38
